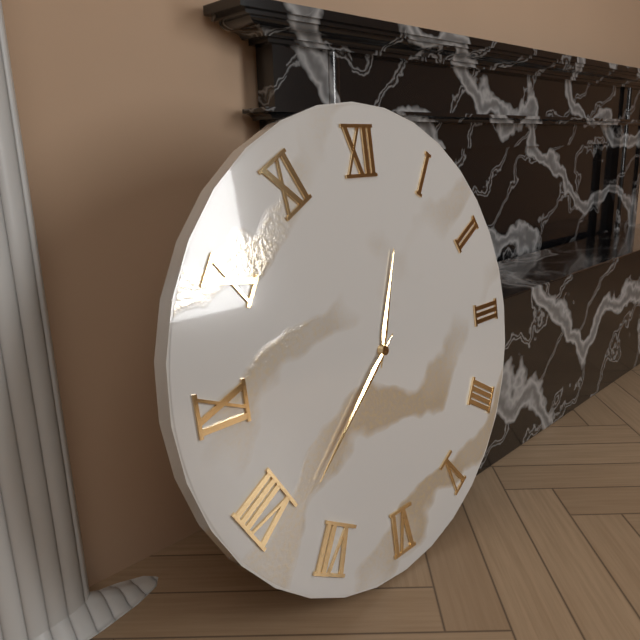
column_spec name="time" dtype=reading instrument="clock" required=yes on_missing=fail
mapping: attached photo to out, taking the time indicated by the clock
12:38
